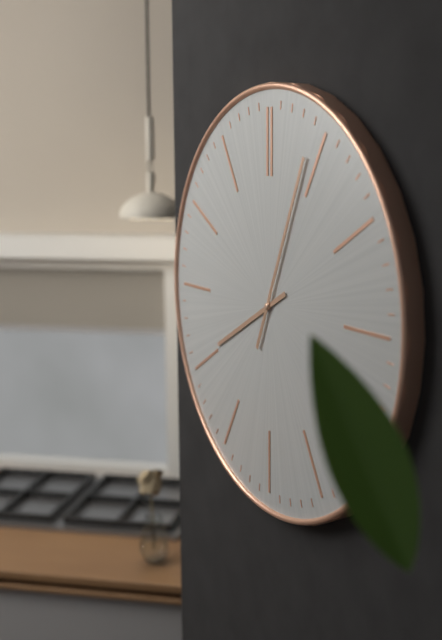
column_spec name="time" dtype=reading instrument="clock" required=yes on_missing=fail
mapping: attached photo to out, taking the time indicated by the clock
8:04
